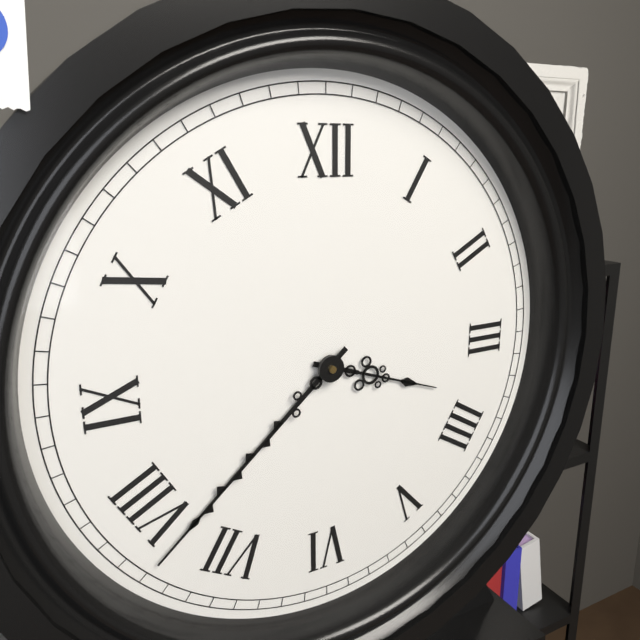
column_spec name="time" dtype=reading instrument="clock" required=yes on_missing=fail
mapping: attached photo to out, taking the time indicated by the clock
3:38
